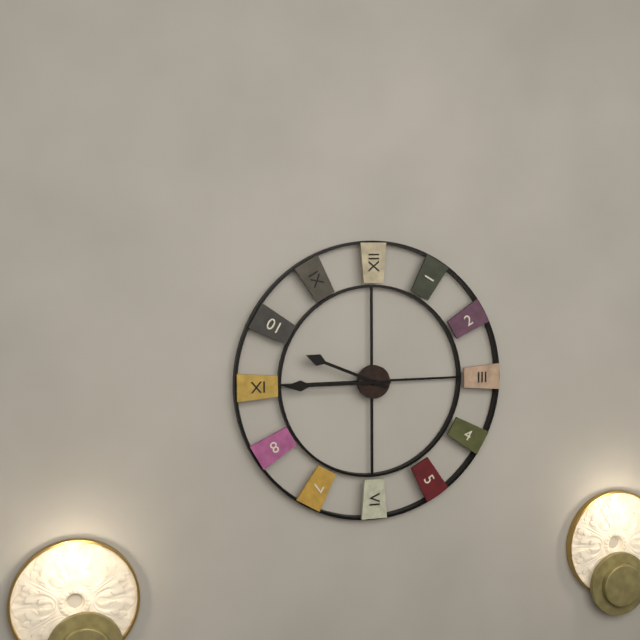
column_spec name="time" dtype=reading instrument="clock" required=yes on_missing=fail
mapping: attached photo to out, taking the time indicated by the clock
9:45
